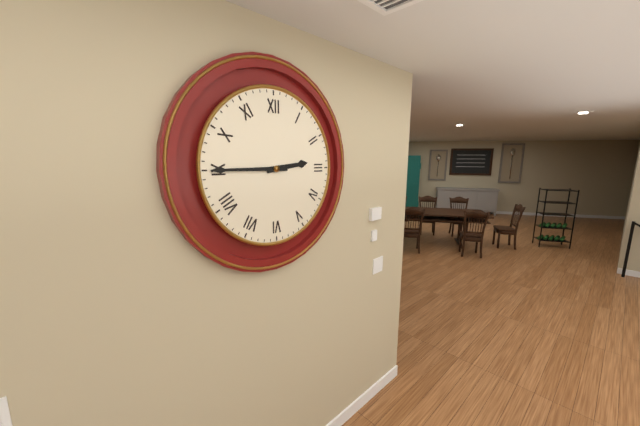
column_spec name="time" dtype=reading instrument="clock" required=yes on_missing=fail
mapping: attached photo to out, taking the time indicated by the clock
2:45
